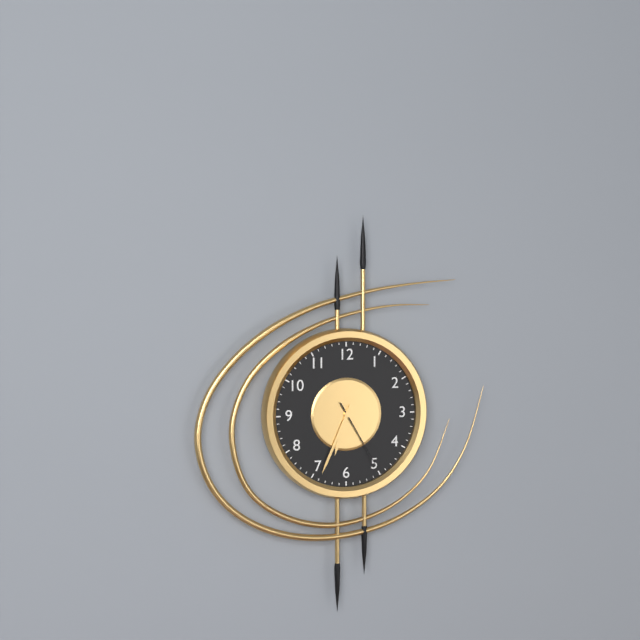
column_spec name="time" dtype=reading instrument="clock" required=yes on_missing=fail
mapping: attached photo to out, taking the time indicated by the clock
6:34:25
